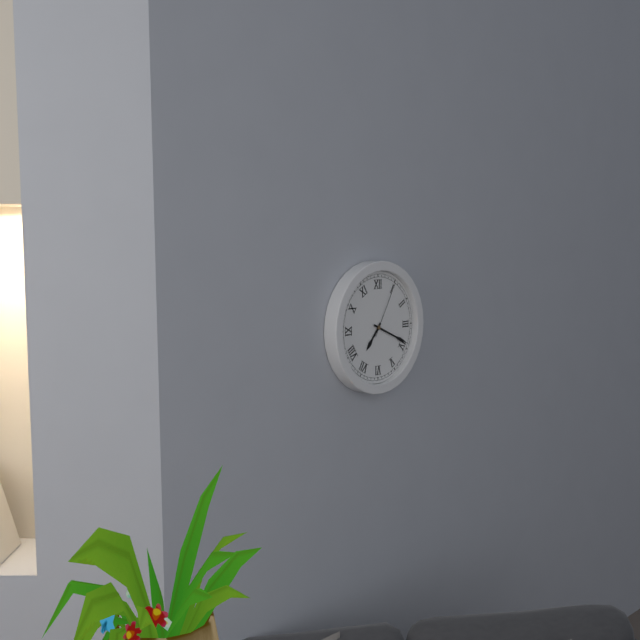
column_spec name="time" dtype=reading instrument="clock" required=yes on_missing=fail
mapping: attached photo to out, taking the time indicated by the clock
7:19:05
